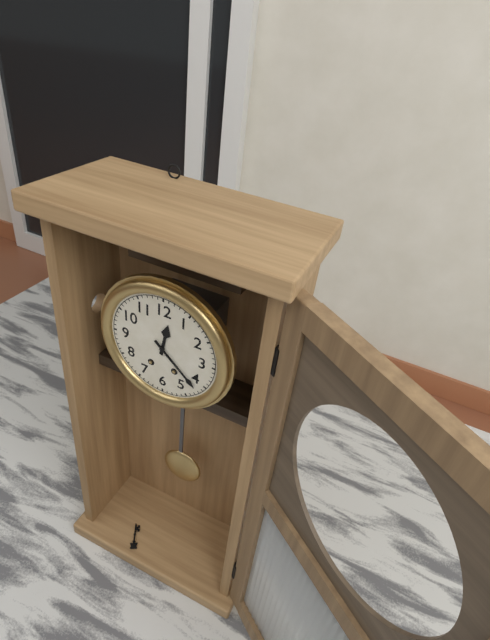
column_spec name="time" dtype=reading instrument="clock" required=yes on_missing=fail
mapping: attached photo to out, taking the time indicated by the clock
12:22
